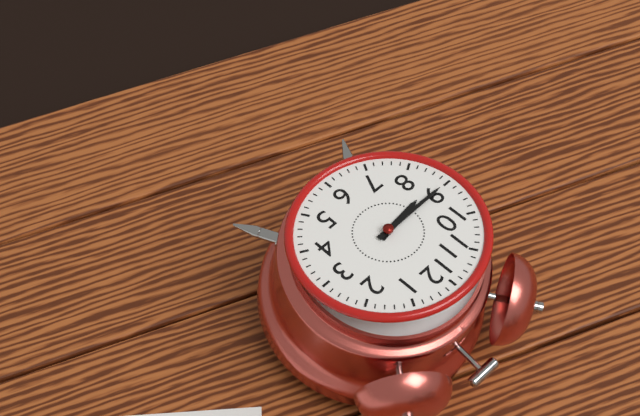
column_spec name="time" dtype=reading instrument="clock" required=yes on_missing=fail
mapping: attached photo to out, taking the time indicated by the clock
8:45
